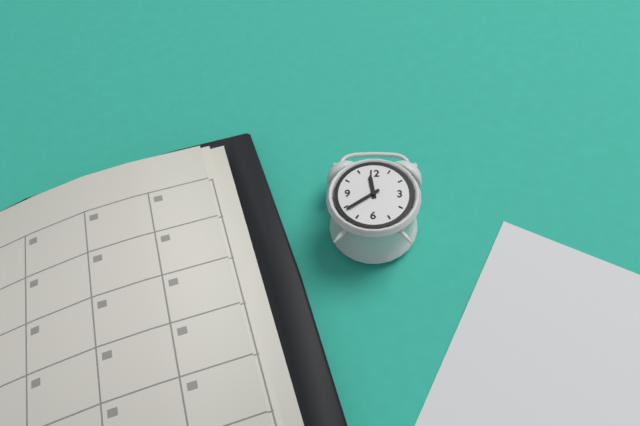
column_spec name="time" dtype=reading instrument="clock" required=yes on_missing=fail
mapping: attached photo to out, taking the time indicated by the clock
11:39
